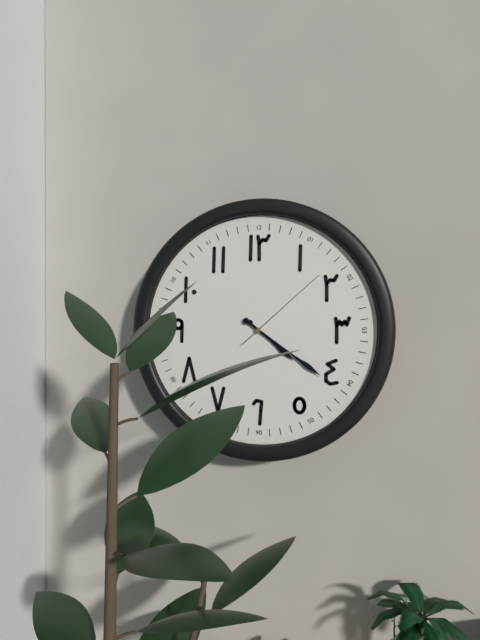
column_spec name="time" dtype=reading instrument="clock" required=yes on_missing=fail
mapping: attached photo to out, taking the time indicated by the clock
4:21:08
